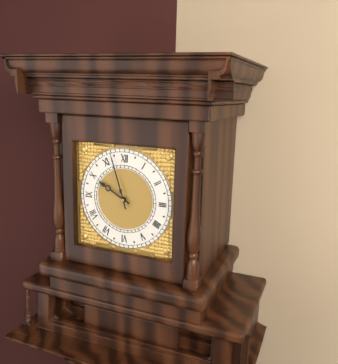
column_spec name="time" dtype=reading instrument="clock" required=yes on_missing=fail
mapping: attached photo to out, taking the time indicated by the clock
9:57
